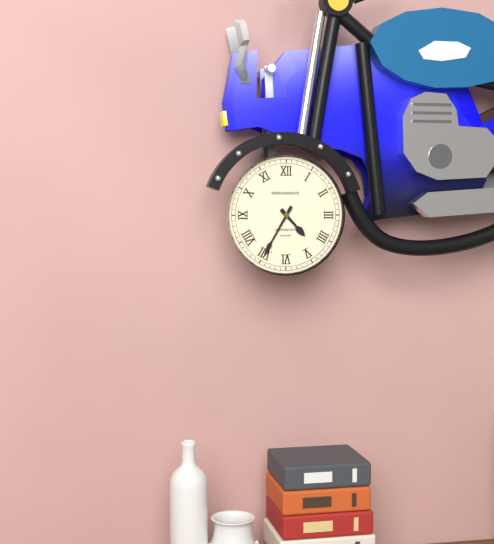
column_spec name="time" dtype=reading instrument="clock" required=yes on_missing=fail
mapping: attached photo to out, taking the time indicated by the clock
4:35
